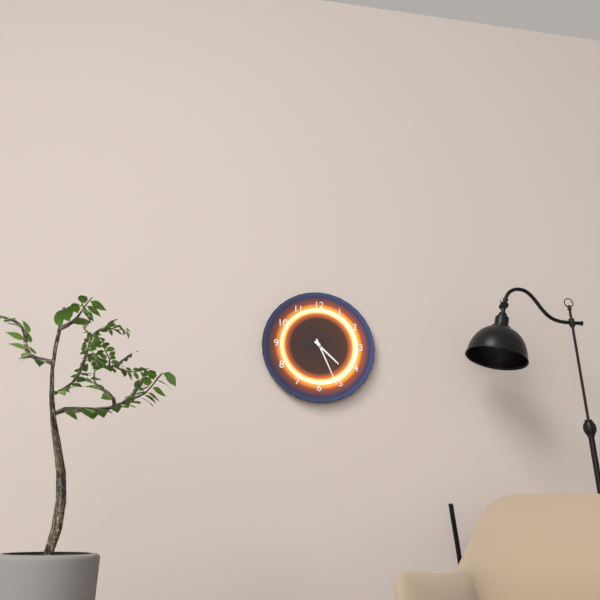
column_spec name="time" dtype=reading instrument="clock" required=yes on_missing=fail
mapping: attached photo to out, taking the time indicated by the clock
4:26
